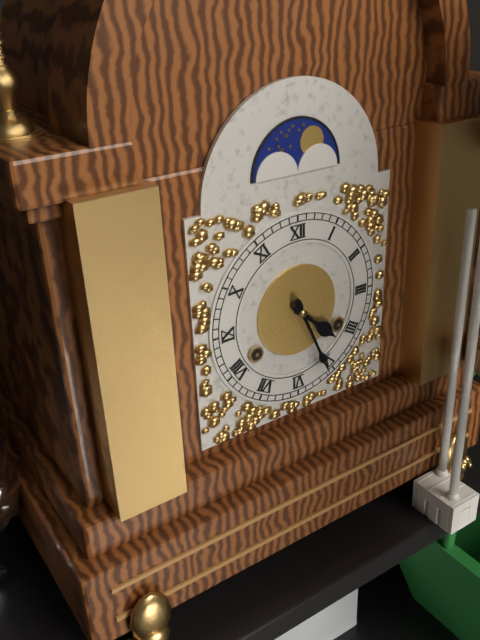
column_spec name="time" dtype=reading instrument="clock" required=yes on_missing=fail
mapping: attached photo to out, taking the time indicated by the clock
4:26
